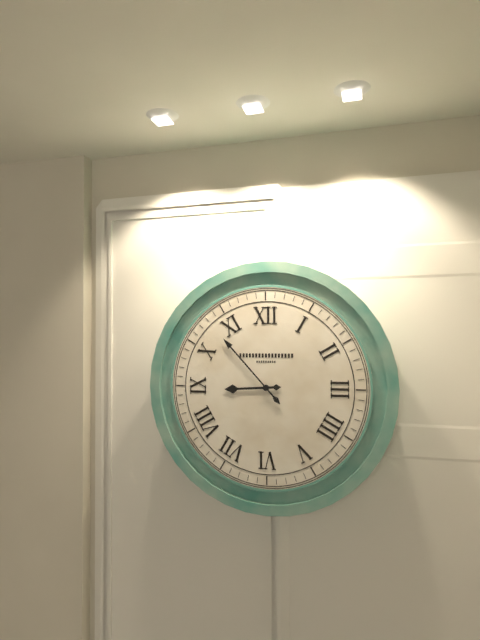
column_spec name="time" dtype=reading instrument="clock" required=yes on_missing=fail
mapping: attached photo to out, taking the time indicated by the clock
8:53
